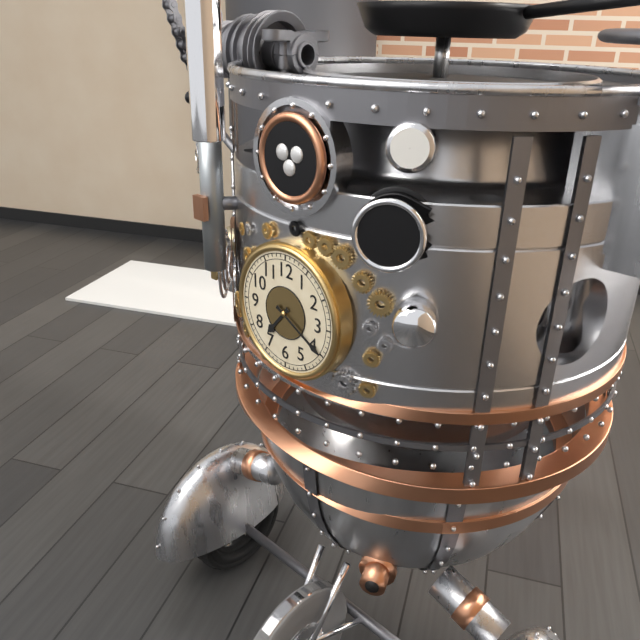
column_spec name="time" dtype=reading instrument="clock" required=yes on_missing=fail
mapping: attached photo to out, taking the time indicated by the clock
7:20
